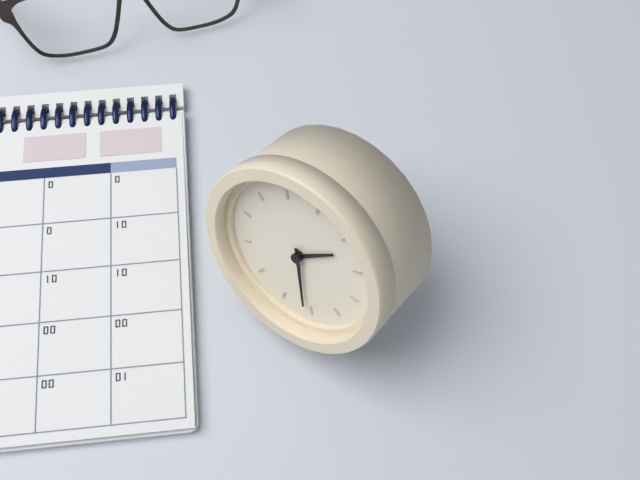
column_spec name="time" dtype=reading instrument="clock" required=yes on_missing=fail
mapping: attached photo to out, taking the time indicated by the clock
1:26
